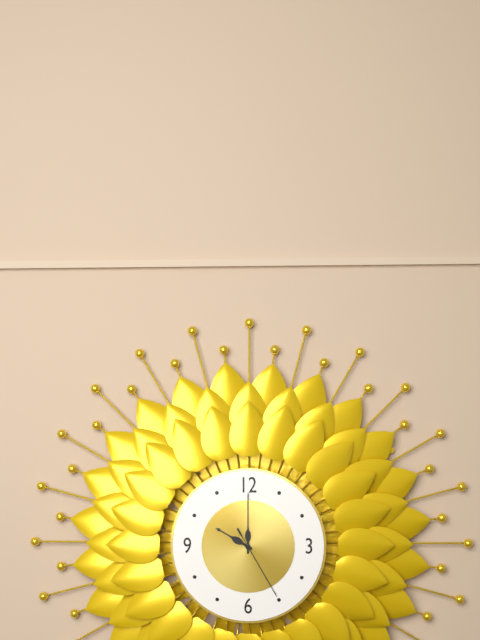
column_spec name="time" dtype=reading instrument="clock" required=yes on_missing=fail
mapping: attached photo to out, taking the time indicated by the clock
10:00:25
